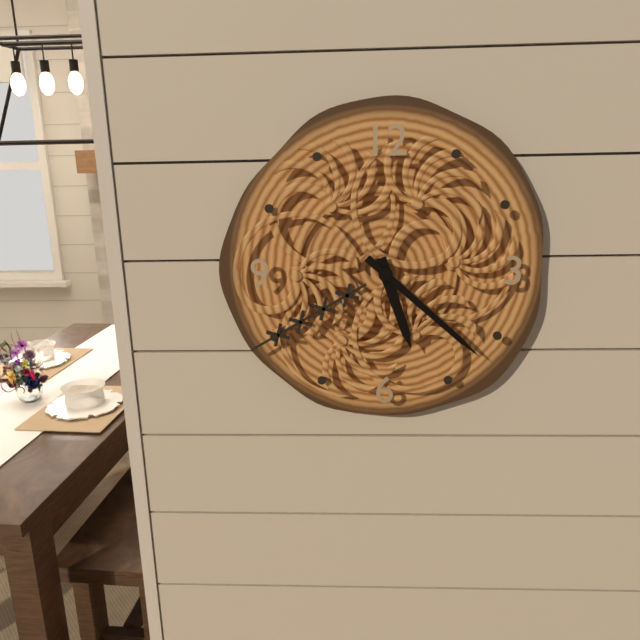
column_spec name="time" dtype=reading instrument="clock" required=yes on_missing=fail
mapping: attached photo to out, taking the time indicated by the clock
5:22
